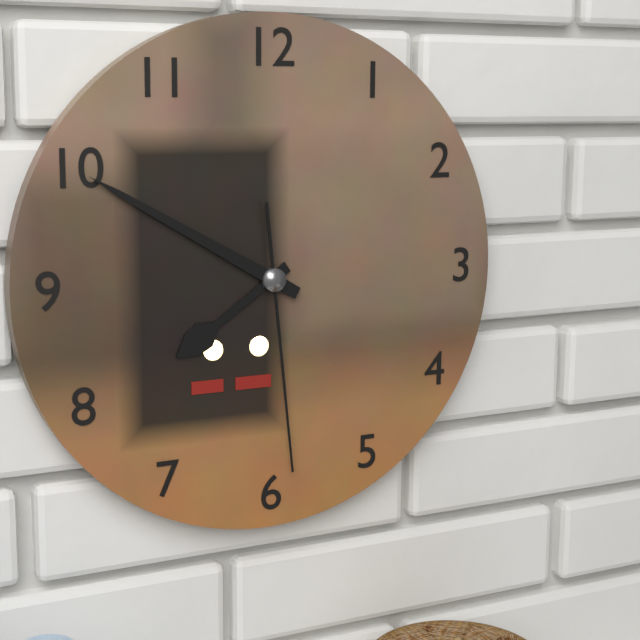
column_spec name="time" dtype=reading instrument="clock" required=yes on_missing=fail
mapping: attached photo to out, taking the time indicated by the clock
7:50:29
